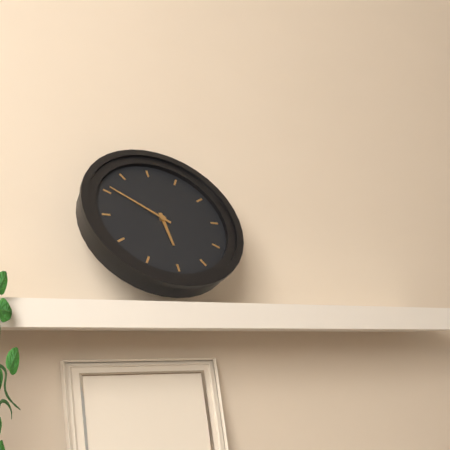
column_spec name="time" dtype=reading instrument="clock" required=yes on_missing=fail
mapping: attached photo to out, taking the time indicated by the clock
5:51
